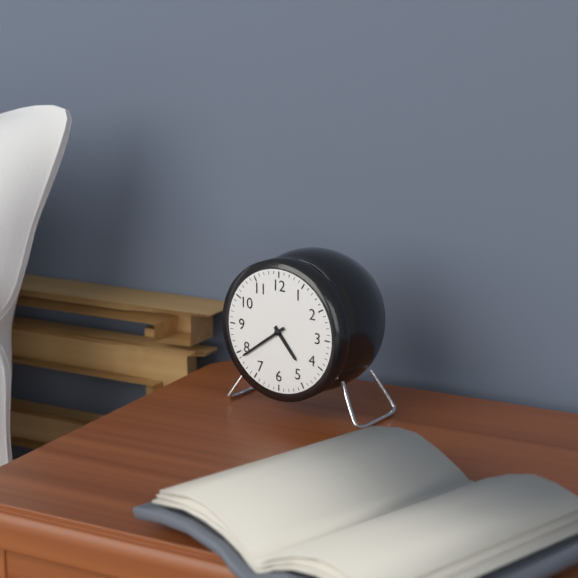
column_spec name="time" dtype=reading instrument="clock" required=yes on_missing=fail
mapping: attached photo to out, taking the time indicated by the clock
4:39
